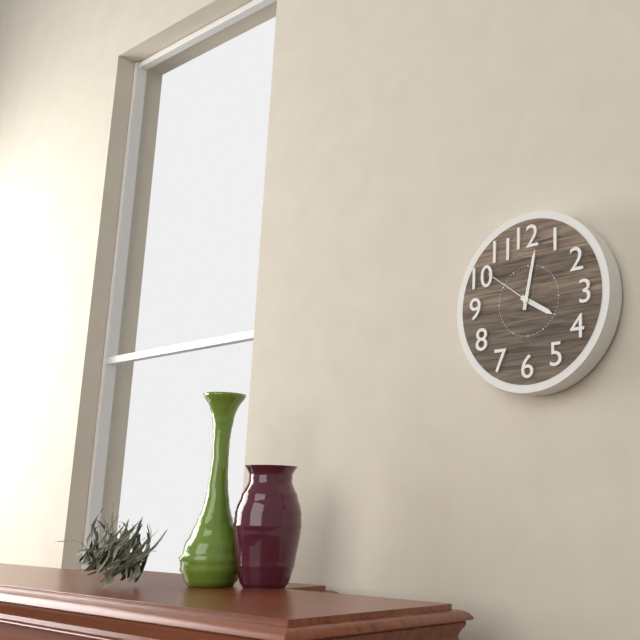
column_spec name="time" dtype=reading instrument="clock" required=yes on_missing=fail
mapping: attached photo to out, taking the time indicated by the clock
4:02:51
